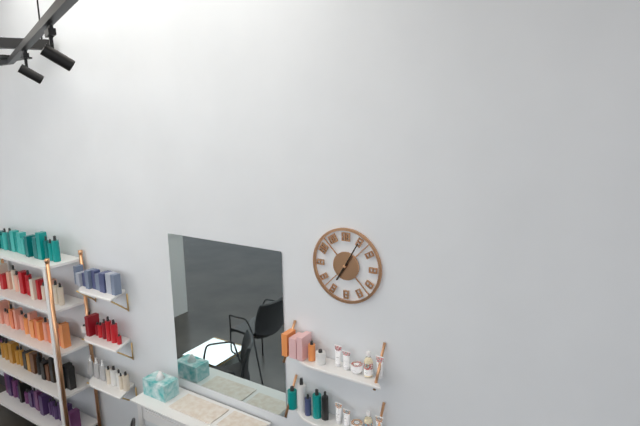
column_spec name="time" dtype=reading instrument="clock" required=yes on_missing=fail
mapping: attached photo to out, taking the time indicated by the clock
7:05
